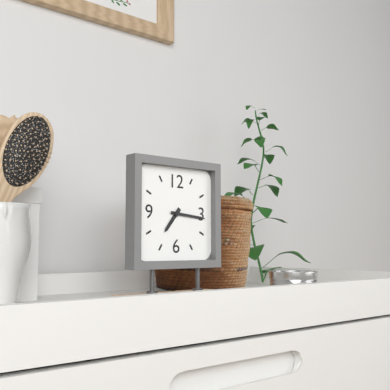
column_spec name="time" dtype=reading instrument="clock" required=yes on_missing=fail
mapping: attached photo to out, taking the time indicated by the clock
7:16
